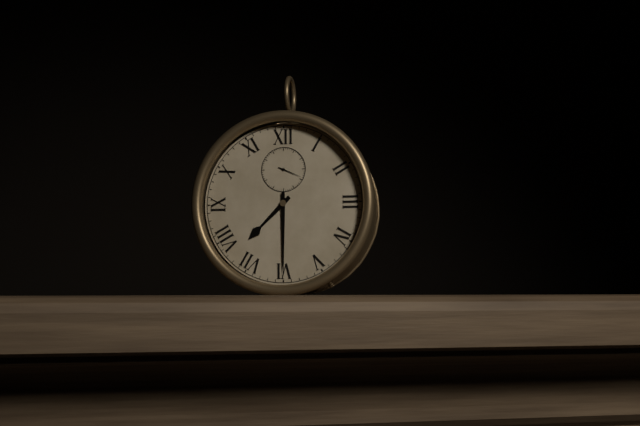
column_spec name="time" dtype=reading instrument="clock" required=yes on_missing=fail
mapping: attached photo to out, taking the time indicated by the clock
7:30
